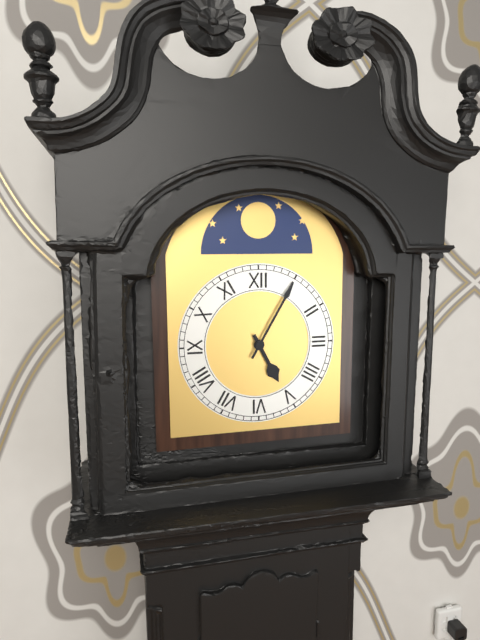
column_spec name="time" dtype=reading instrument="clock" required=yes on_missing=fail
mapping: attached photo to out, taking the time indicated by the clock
5:05
